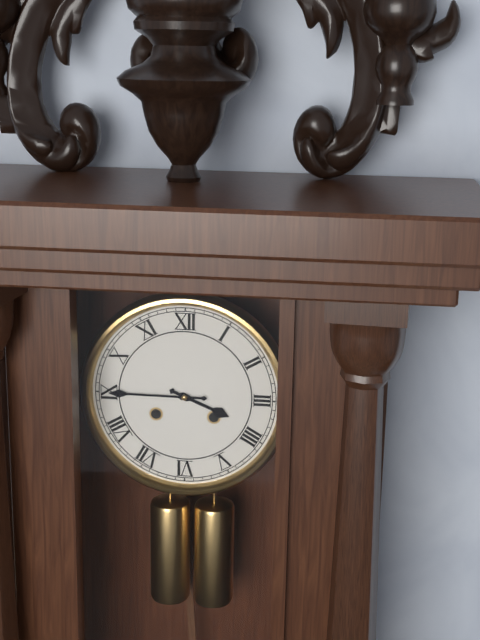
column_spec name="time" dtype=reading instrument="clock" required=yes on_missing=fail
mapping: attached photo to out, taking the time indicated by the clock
3:45
